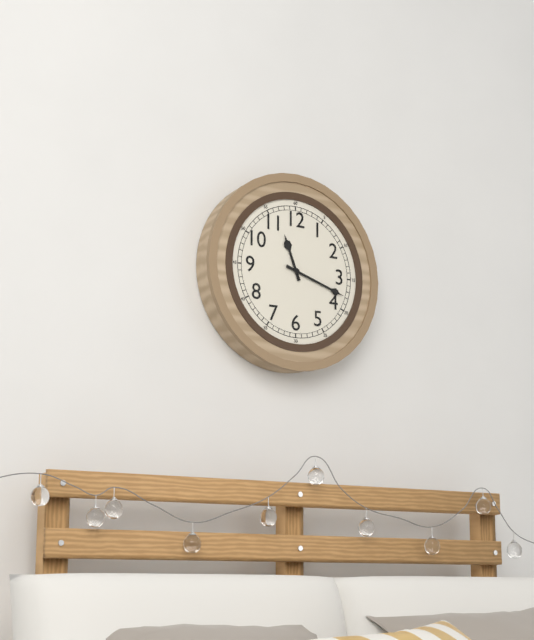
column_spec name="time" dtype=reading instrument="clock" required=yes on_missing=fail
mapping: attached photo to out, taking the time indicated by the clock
11:18
